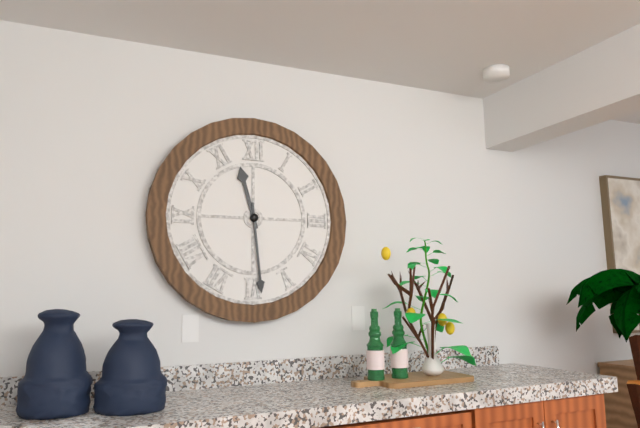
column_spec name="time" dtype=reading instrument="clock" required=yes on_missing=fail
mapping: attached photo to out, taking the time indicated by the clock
11:29
